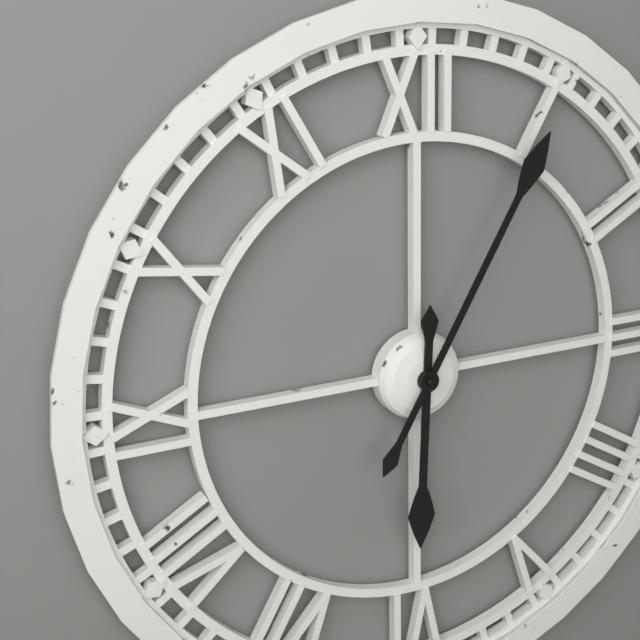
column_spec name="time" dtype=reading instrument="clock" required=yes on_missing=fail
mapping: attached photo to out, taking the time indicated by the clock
6:05
